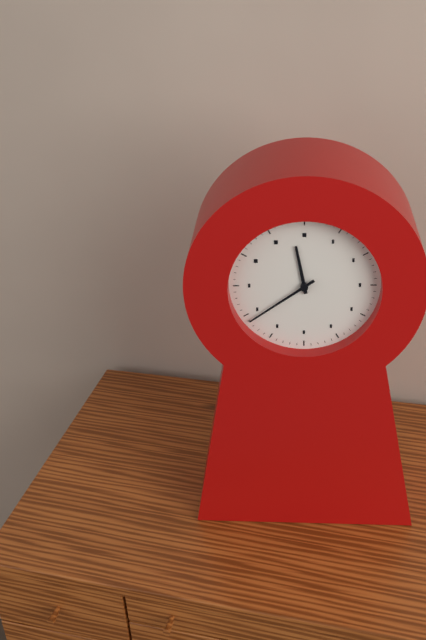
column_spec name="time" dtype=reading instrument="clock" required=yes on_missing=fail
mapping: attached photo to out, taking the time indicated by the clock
11:39
